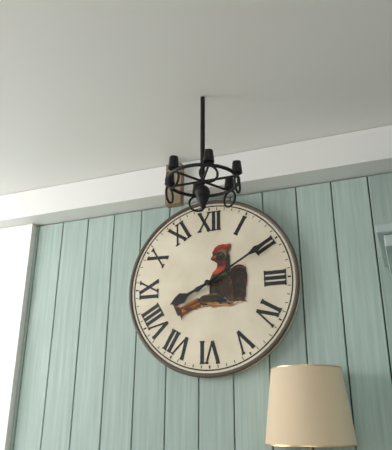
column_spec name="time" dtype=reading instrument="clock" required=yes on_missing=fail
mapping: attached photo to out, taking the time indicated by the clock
8:10
